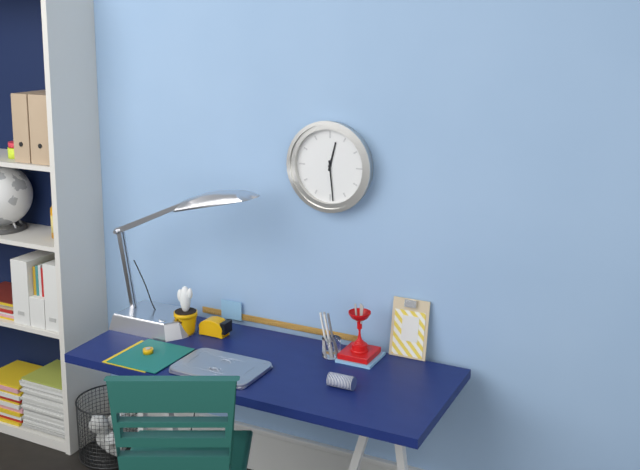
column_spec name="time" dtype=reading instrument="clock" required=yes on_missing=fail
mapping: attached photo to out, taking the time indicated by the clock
12:29
